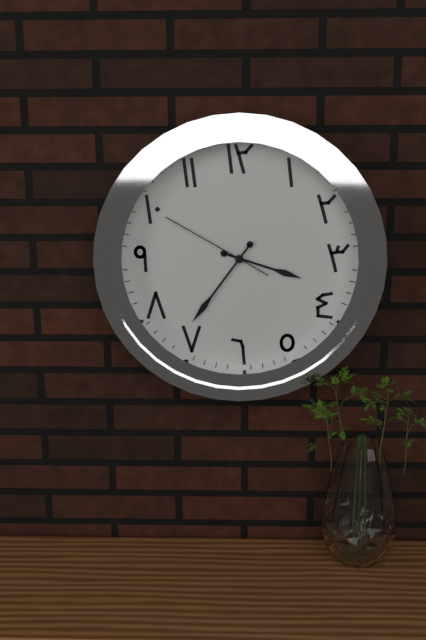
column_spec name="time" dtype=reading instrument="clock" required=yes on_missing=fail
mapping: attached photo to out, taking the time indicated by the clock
3:36:50
